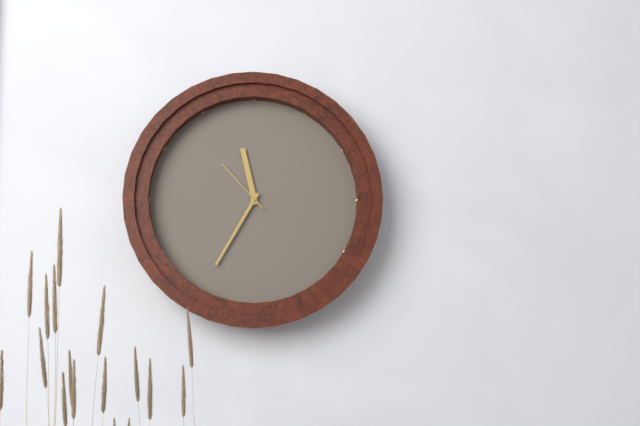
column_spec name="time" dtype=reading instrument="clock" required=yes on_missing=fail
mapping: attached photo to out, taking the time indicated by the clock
11:35:53
